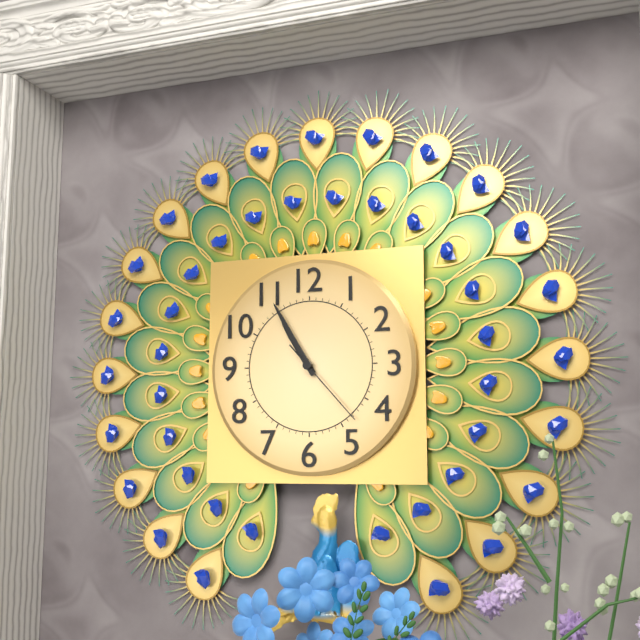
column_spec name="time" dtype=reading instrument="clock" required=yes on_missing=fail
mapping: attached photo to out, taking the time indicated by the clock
10:55:23
